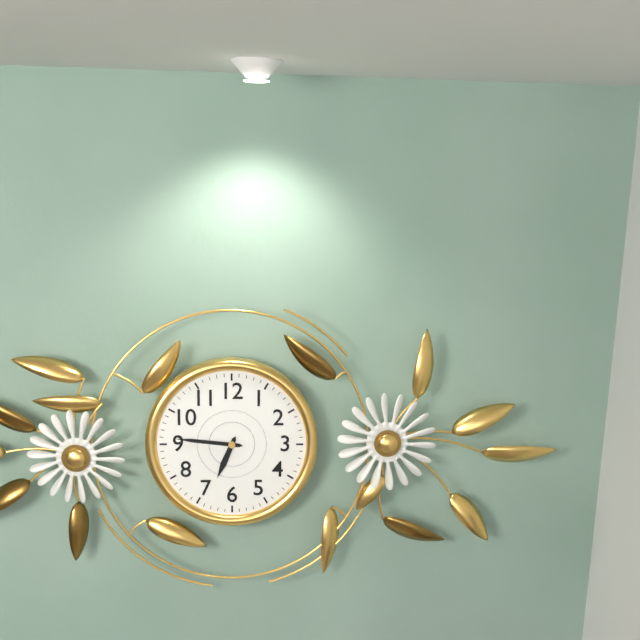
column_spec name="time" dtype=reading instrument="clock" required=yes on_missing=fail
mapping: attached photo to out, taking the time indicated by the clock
6:46
